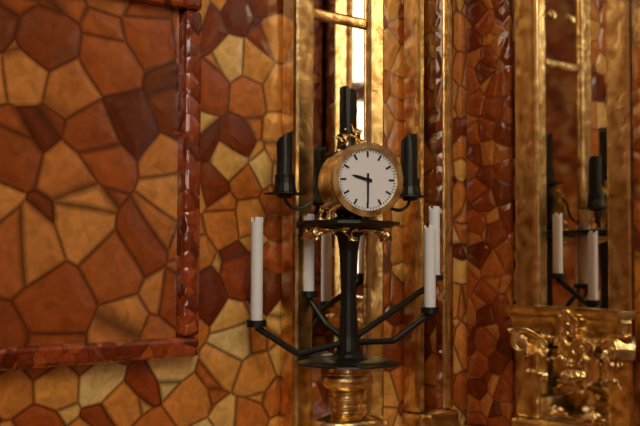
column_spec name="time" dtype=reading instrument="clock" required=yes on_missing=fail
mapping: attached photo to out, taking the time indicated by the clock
9:30
